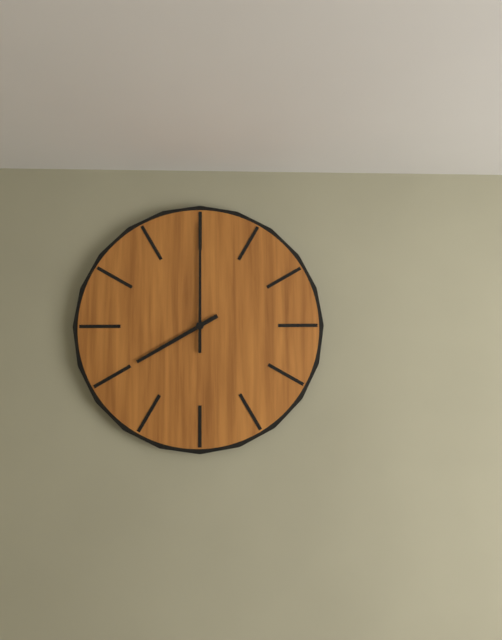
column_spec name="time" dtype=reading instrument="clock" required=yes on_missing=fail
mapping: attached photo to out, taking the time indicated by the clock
8:00
